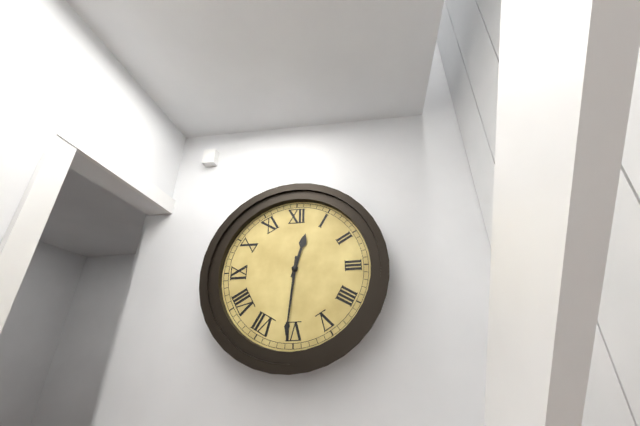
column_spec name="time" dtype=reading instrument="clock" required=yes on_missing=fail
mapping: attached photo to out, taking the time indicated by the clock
12:31
